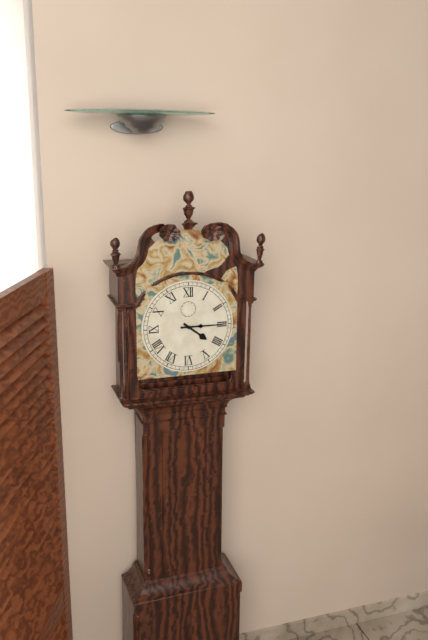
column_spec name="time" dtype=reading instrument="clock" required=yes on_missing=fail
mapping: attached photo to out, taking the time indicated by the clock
4:15
